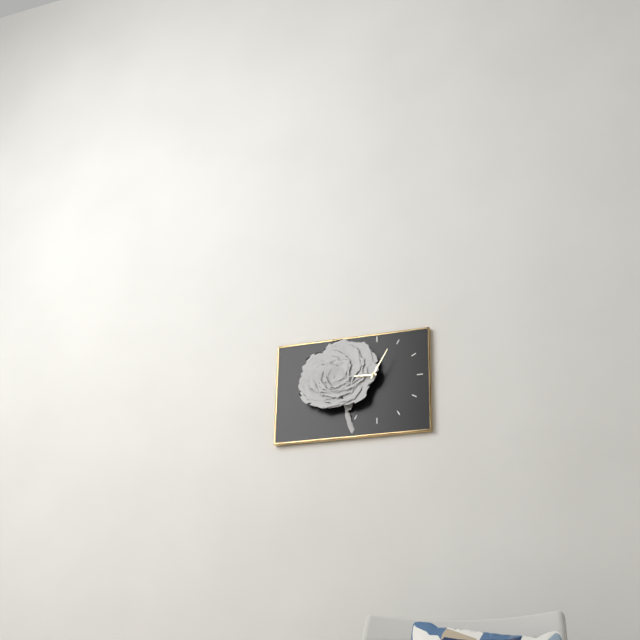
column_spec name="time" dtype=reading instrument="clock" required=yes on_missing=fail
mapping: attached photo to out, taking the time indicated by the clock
9:05
